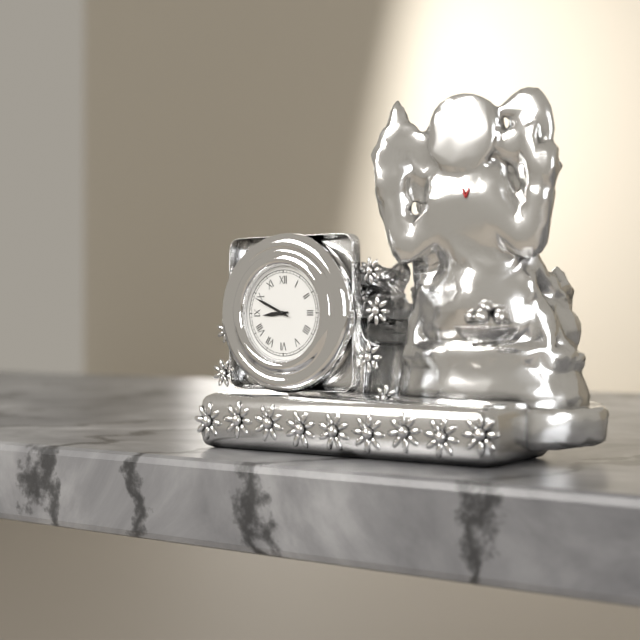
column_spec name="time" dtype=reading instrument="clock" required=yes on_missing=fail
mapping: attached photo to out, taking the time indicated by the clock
8:49
